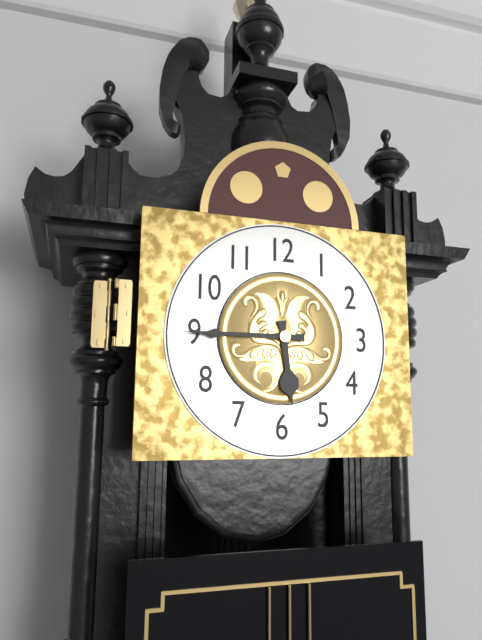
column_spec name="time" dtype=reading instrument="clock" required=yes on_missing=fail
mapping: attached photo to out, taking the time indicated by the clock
5:45
